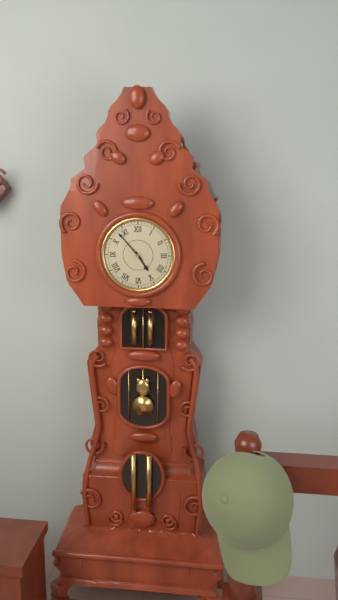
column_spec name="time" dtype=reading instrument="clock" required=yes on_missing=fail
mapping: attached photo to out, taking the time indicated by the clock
4:53
